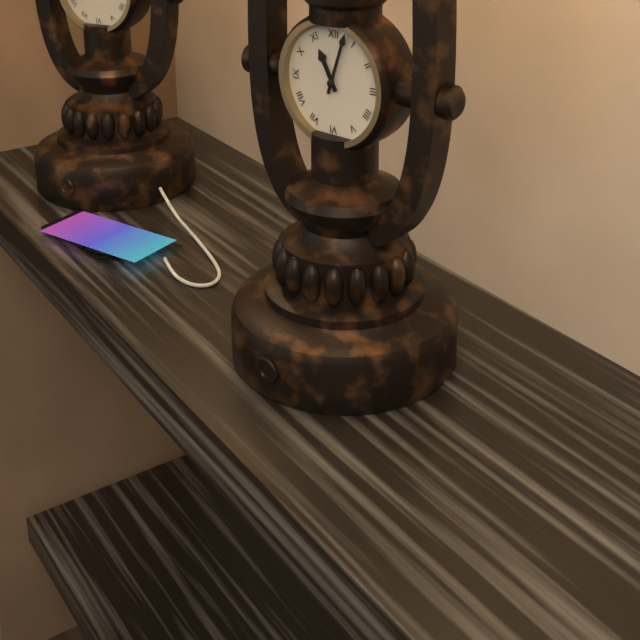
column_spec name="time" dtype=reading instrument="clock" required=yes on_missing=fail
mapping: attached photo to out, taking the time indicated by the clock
11:03
